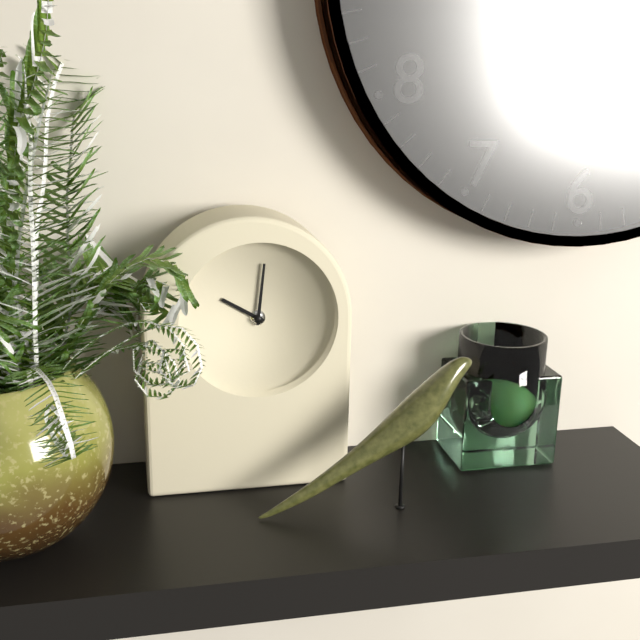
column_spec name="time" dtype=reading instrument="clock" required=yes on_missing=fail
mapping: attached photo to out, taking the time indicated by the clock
10:01
